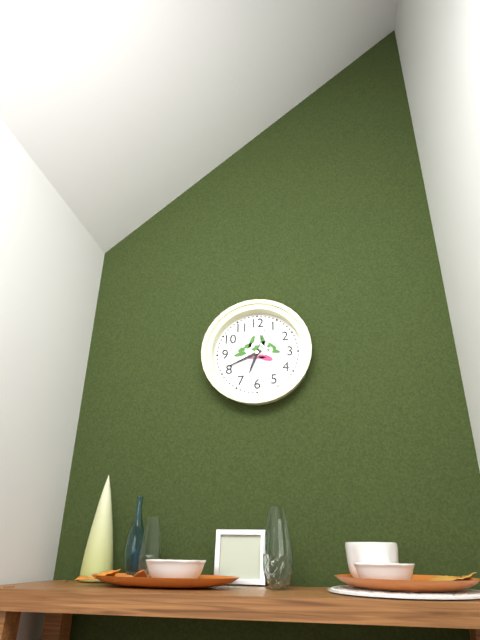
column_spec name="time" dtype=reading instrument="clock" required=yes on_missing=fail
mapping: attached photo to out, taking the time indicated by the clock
6:41
